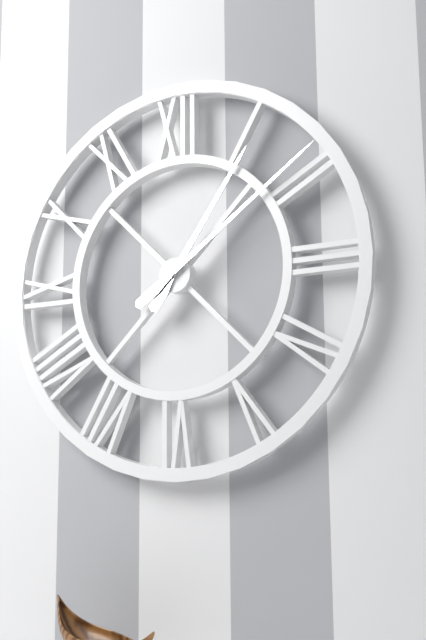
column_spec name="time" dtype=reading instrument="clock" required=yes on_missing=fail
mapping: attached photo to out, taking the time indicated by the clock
1:09
